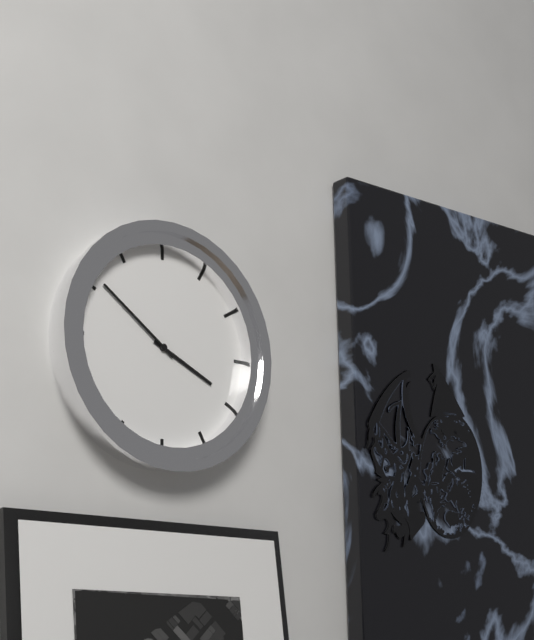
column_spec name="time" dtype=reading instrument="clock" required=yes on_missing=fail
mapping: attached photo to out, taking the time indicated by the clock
3:51
